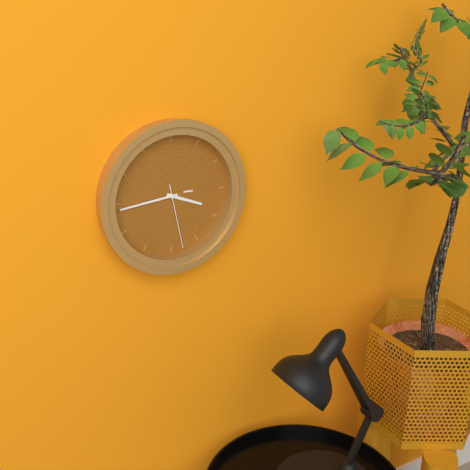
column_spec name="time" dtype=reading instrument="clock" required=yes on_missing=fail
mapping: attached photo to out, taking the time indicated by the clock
3:44:28
